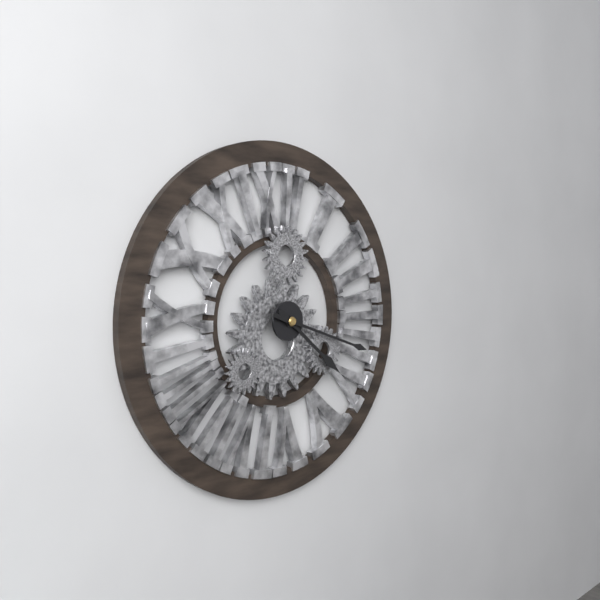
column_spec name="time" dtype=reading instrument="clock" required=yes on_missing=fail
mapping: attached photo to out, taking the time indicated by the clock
4:18
